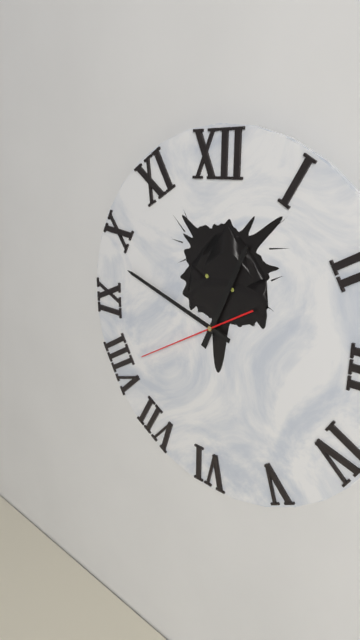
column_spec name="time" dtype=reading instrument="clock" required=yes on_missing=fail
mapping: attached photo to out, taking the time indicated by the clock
12:48:40
